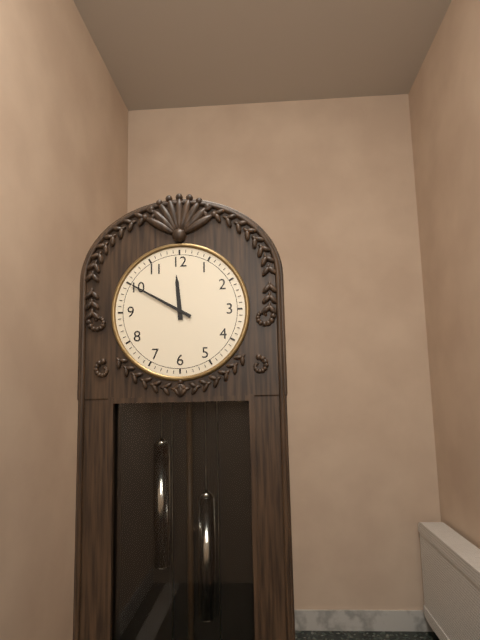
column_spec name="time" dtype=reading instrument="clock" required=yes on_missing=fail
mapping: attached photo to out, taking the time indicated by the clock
11:50
